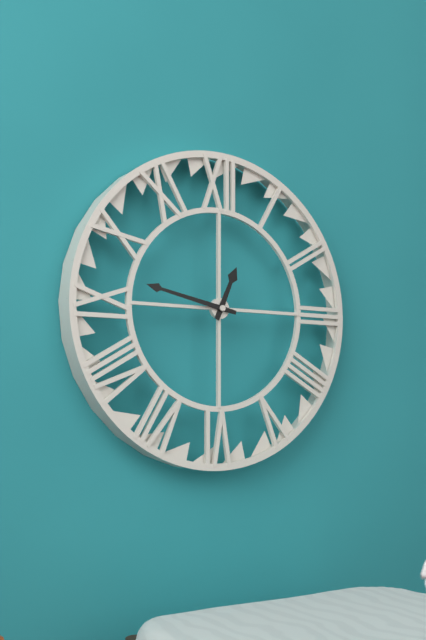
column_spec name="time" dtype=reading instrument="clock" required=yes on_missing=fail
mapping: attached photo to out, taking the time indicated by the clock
12:47
